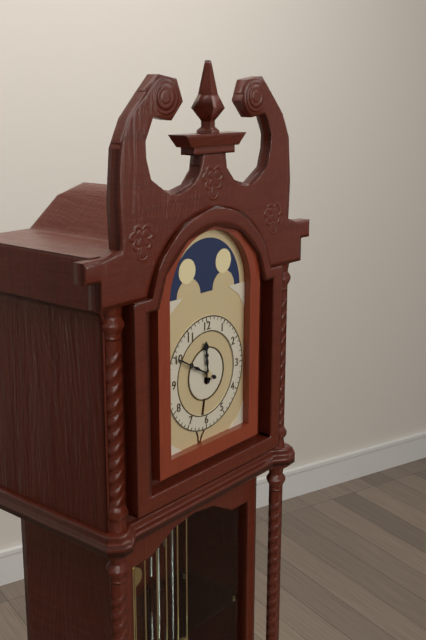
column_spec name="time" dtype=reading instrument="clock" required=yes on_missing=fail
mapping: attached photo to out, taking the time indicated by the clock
11:50
